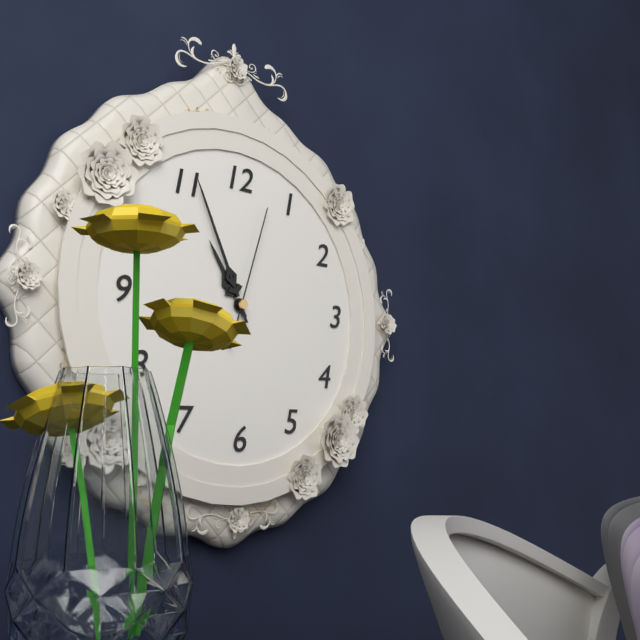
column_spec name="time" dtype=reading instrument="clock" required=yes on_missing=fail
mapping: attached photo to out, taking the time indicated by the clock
10:56:03
